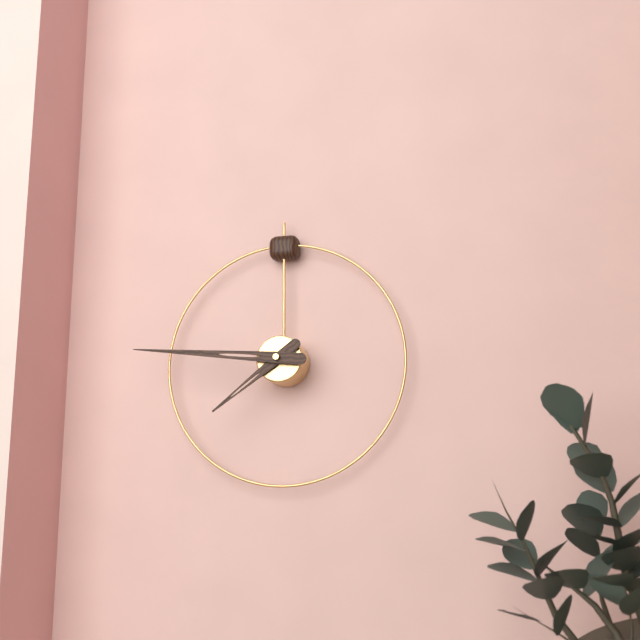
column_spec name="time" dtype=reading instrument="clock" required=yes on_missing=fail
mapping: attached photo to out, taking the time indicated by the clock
7:46
